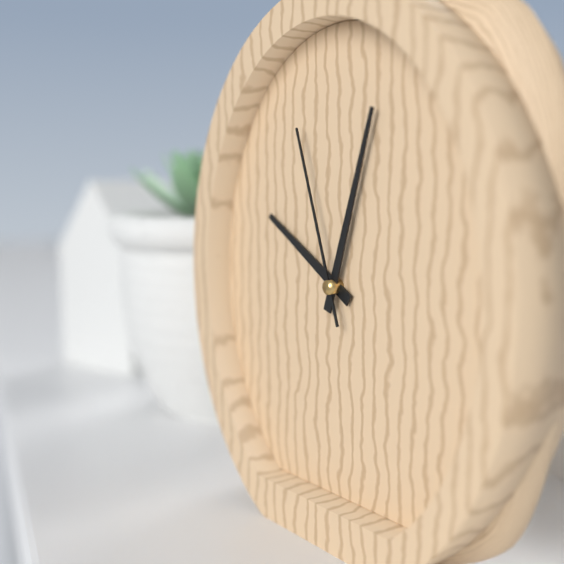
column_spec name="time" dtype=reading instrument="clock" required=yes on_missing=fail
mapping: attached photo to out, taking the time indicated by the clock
10:03:57
